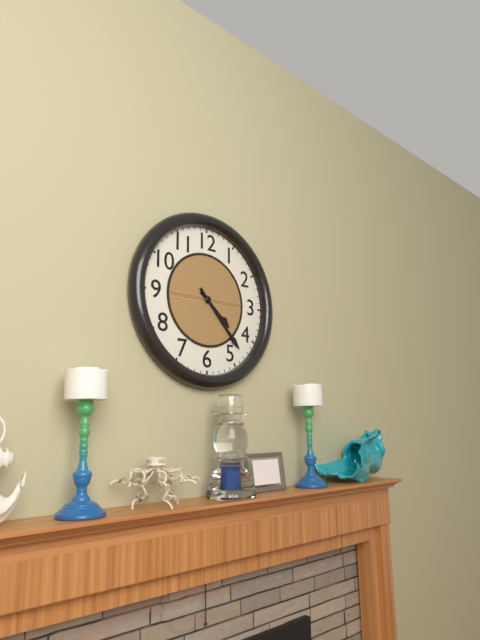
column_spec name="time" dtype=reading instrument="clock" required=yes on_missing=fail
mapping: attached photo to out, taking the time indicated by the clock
4:23
